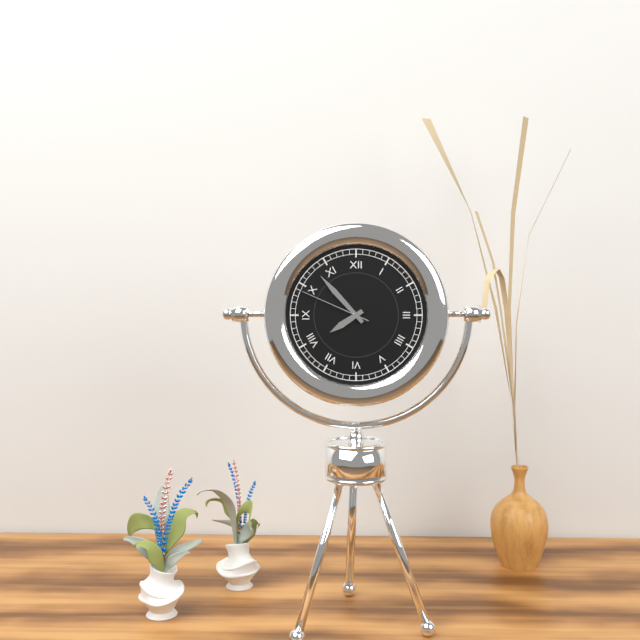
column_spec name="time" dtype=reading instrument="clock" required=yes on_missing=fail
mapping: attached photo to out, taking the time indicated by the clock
7:53:49
